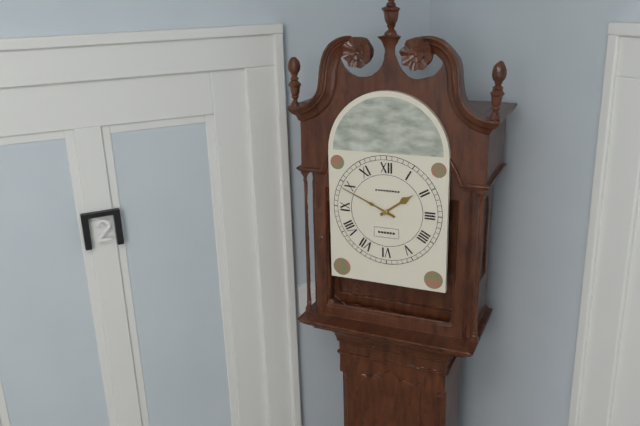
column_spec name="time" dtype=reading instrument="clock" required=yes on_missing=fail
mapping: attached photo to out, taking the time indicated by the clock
1:49
